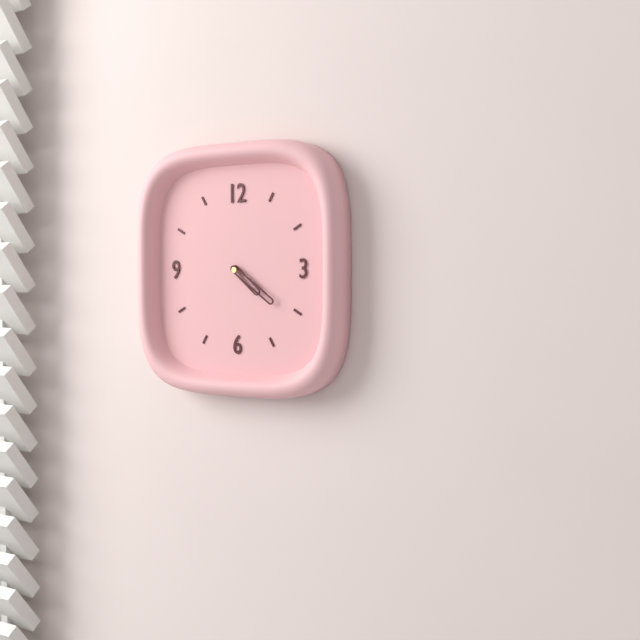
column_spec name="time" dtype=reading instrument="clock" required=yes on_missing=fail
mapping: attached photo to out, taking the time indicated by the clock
4:21
